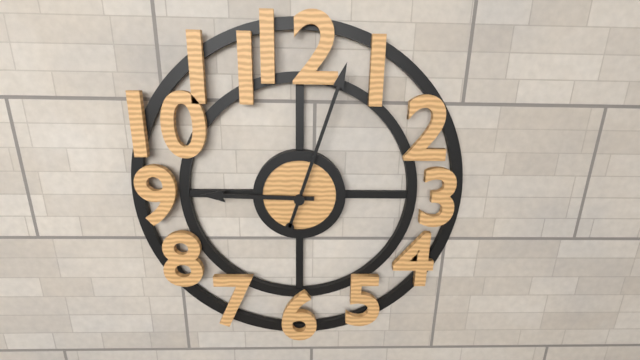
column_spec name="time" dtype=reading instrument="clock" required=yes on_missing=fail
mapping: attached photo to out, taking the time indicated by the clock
9:03
